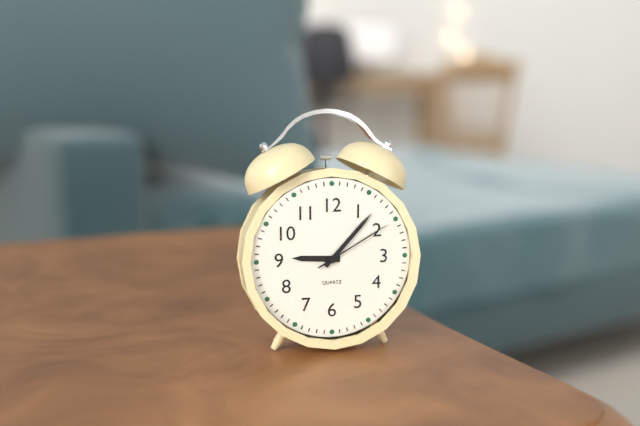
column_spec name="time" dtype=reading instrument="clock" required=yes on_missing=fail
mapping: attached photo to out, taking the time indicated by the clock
9:07:10
